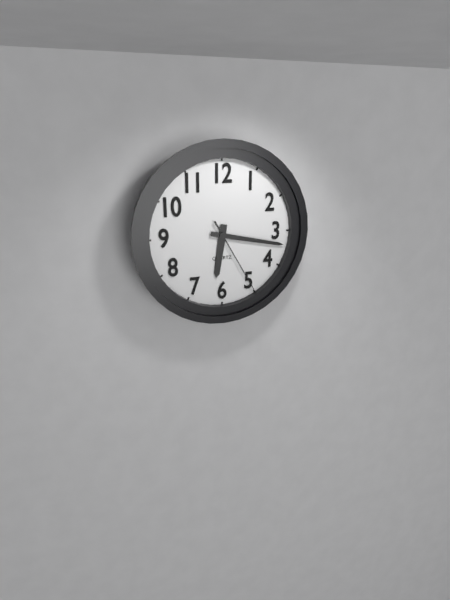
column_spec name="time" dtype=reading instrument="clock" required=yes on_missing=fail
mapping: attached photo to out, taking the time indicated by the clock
6:17:25
